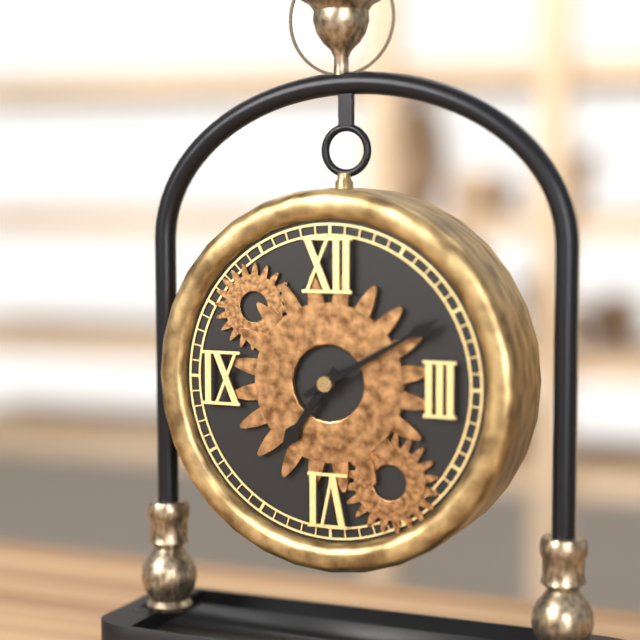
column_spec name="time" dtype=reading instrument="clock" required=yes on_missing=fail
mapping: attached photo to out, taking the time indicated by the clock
7:10
